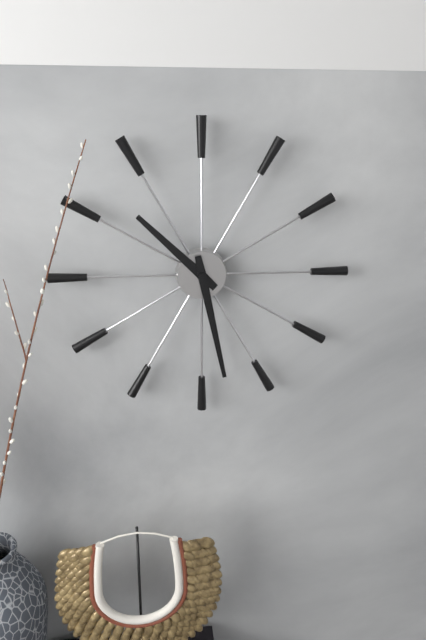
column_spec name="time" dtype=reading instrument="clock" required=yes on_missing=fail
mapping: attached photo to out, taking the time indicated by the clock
10:28
